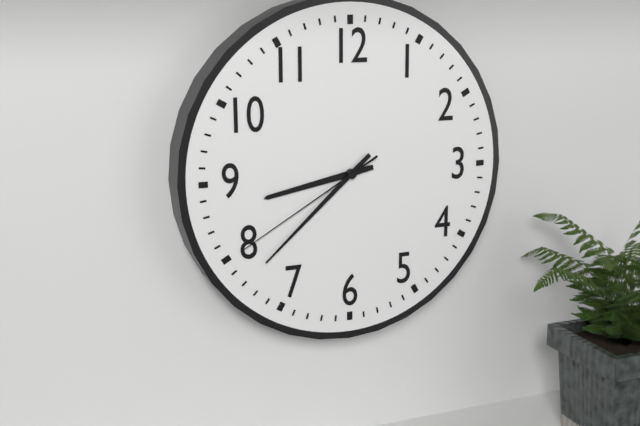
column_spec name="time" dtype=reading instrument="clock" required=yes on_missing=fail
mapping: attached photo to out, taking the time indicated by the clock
8:38:40
